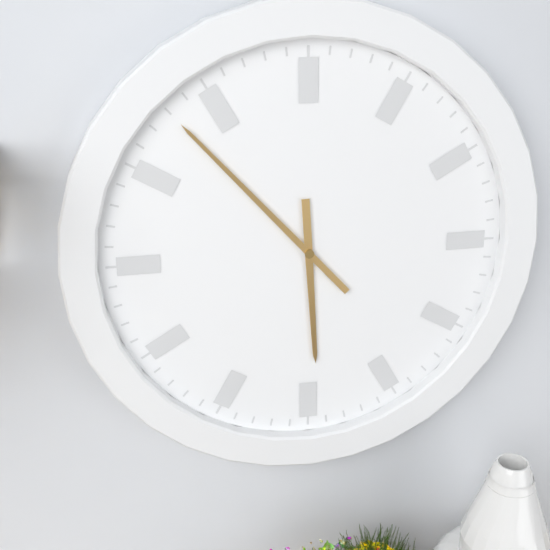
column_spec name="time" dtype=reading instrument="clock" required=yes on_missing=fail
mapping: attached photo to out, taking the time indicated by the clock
5:53
